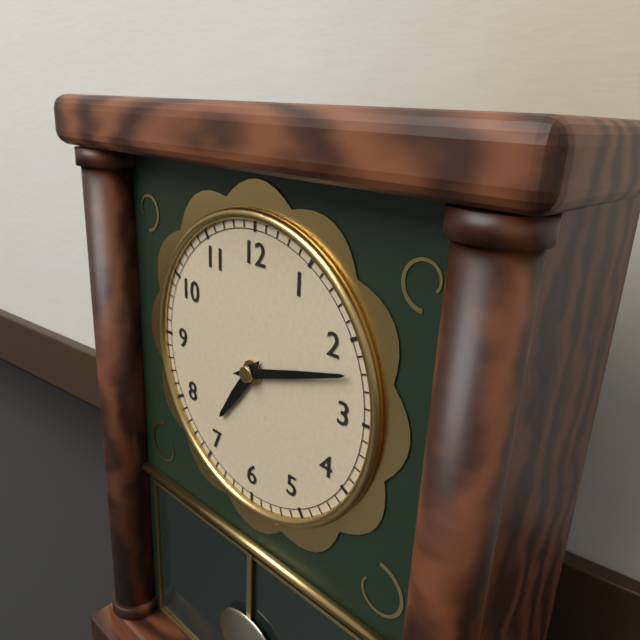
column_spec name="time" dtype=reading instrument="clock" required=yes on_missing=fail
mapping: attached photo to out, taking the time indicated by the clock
7:12
